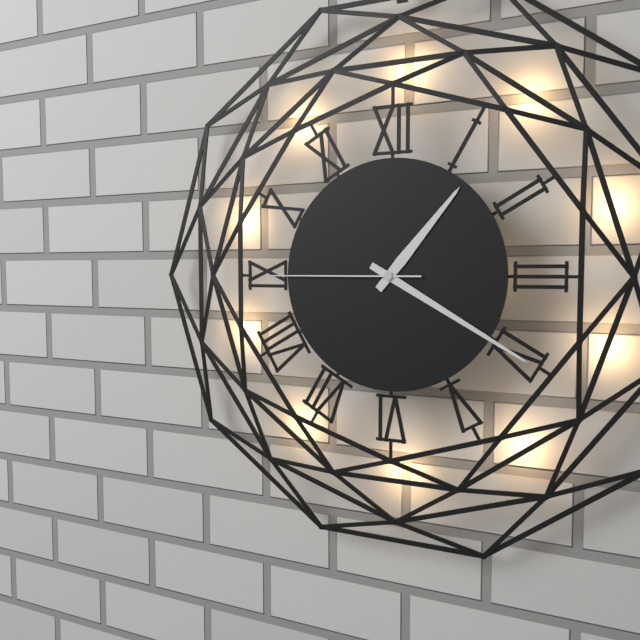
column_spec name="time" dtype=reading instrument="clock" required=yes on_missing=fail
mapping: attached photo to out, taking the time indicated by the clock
1:20:45
